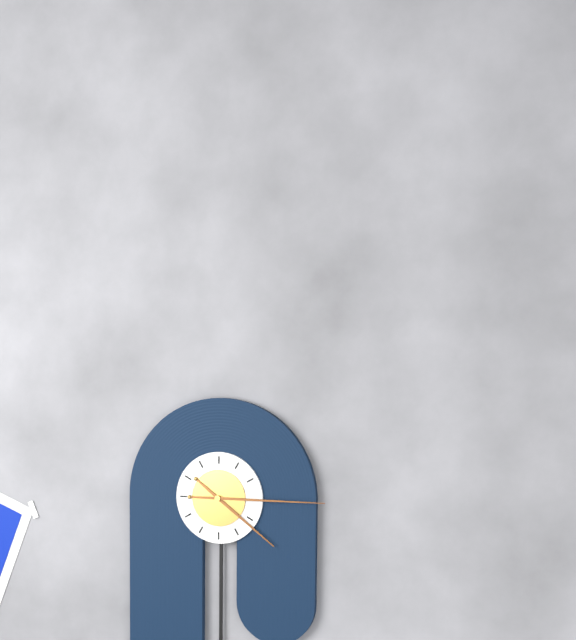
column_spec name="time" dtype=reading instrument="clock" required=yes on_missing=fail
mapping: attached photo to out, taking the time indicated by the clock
4:15
